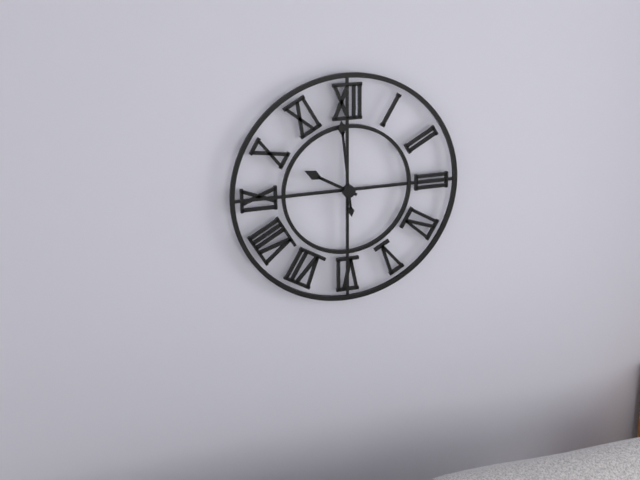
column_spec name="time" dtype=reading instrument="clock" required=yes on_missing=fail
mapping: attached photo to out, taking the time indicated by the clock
9:59
